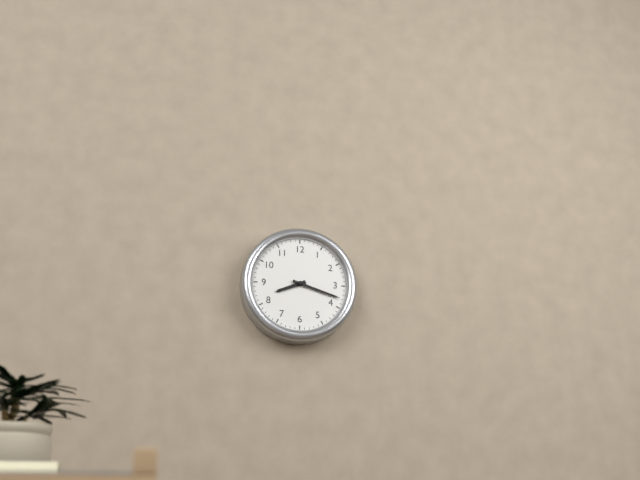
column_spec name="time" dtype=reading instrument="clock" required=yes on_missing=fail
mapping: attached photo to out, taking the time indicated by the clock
8:18
